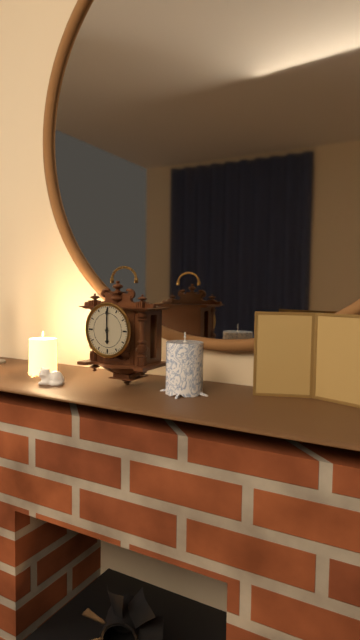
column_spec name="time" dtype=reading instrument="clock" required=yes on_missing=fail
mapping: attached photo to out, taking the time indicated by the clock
6:00
